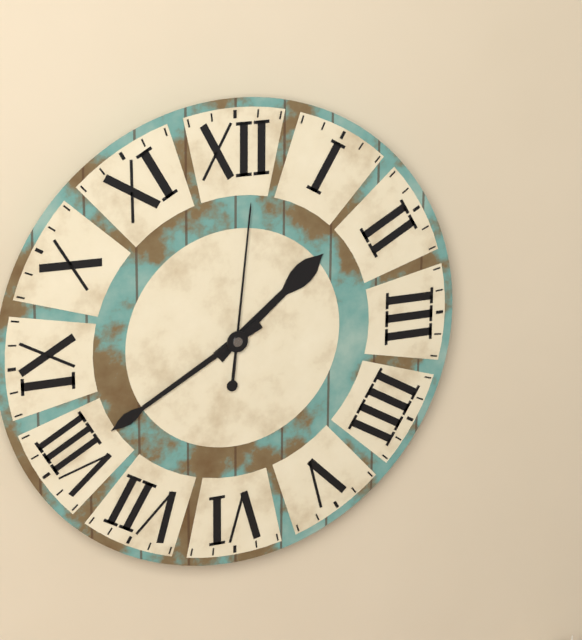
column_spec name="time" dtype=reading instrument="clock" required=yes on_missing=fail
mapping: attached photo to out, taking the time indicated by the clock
1:40:01
